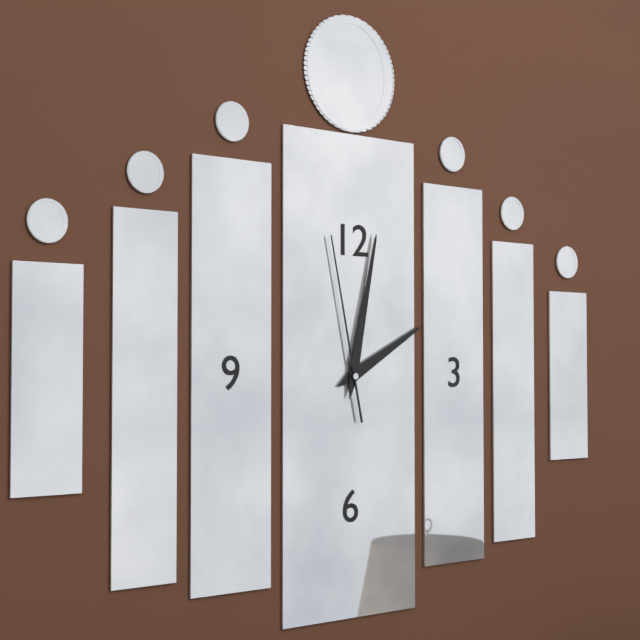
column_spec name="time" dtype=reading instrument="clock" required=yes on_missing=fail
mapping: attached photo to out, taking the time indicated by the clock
2:02:58
